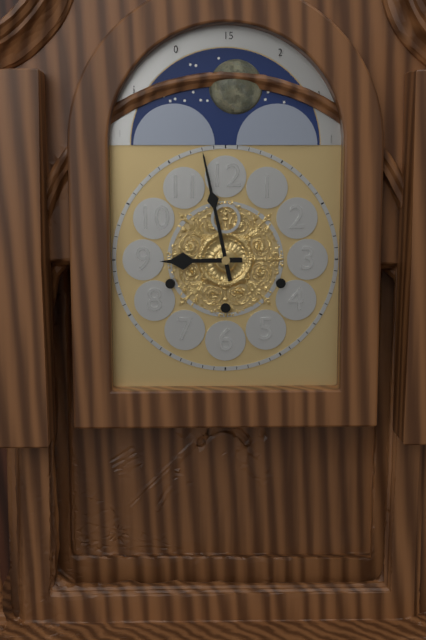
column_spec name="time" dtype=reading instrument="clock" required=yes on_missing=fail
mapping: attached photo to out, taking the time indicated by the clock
8:58
